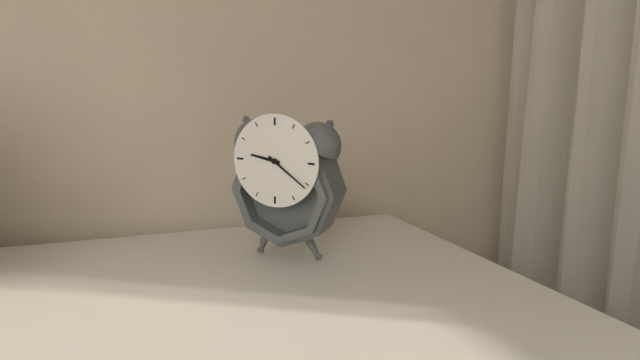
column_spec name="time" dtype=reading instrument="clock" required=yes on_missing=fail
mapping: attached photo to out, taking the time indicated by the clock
9:21
